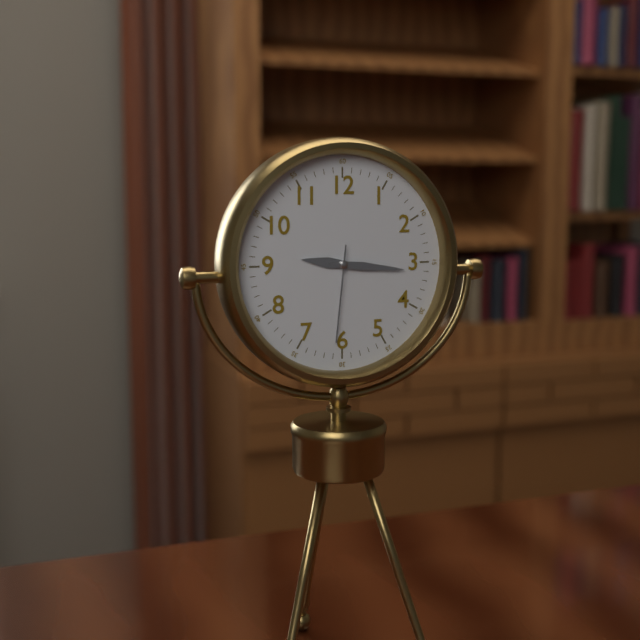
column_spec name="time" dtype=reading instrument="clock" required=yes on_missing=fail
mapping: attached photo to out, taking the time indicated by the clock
9:16:31
